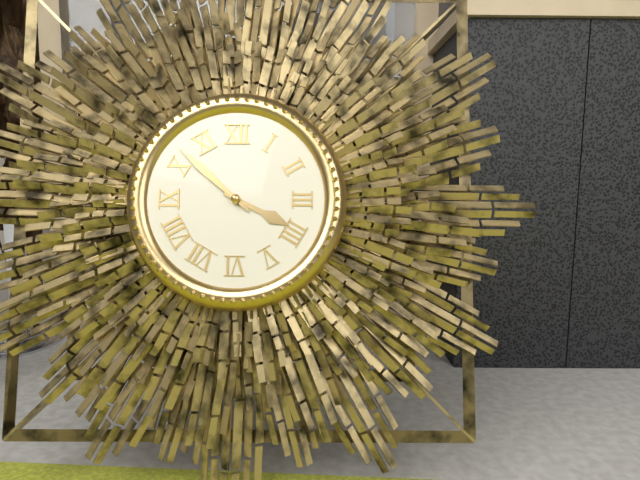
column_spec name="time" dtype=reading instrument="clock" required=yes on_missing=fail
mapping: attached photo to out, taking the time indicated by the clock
3:52
